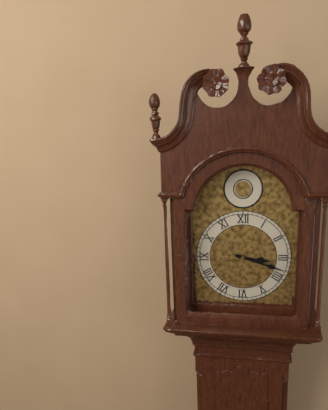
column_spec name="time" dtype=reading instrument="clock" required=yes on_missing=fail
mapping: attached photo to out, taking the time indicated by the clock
3:18
